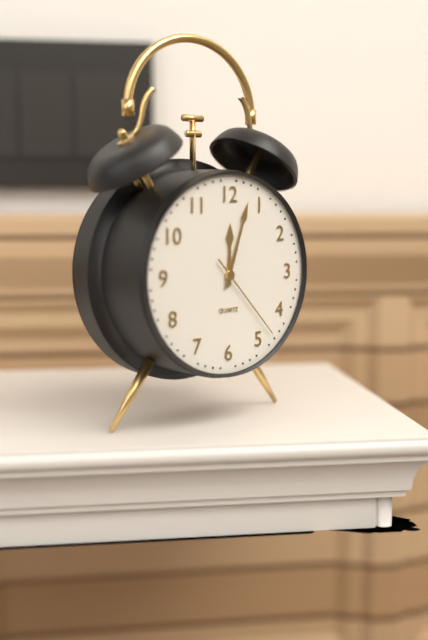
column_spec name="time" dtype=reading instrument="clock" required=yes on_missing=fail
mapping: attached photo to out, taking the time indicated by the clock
12:03:23
